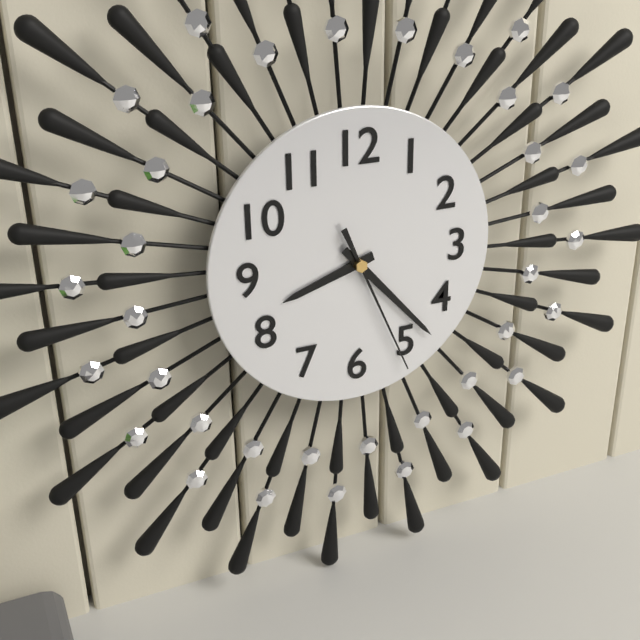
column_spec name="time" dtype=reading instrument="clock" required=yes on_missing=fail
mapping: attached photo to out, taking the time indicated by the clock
8:23:26
